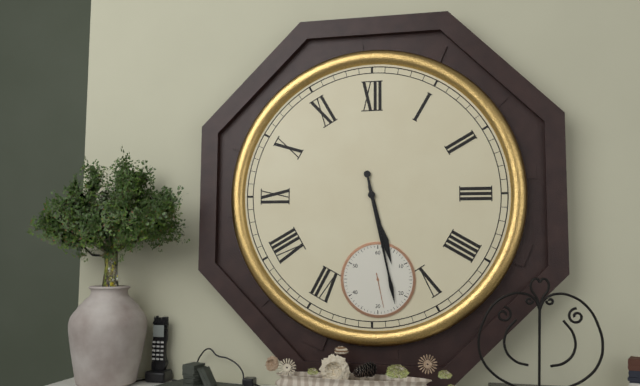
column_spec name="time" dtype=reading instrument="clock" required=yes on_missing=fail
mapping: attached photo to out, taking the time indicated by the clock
5:28
